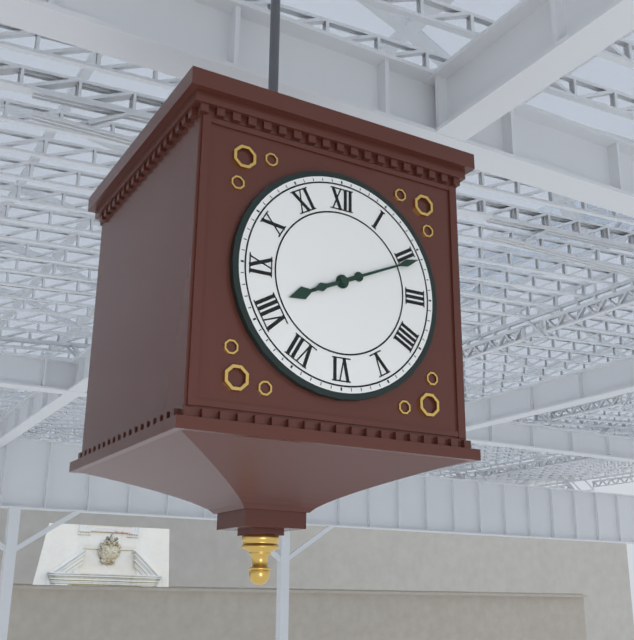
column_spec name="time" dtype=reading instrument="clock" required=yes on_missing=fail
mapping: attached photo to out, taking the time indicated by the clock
8:11
